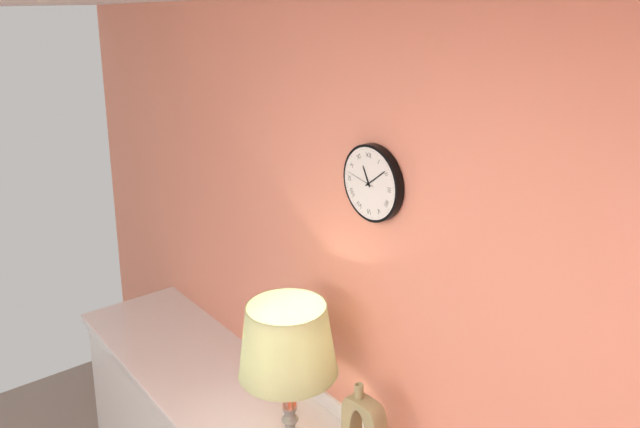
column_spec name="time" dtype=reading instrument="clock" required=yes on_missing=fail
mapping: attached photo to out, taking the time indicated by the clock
11:09
